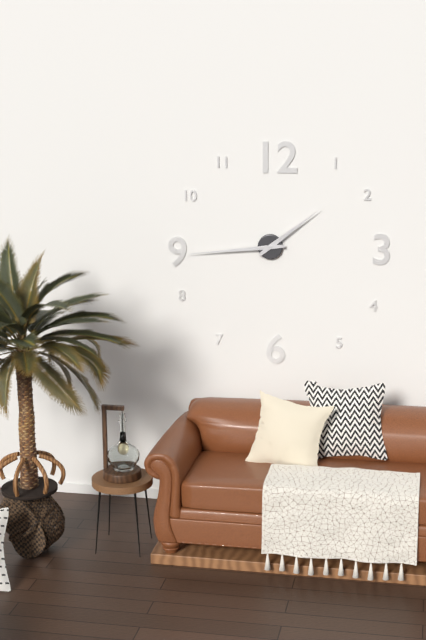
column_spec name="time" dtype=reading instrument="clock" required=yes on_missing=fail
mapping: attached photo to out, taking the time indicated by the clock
1:44
